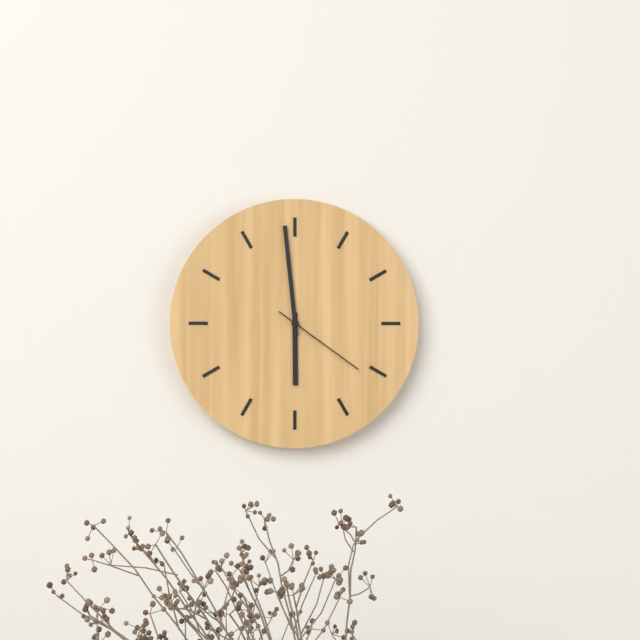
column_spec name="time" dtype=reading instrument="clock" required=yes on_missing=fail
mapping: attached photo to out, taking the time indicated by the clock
5:59:21
